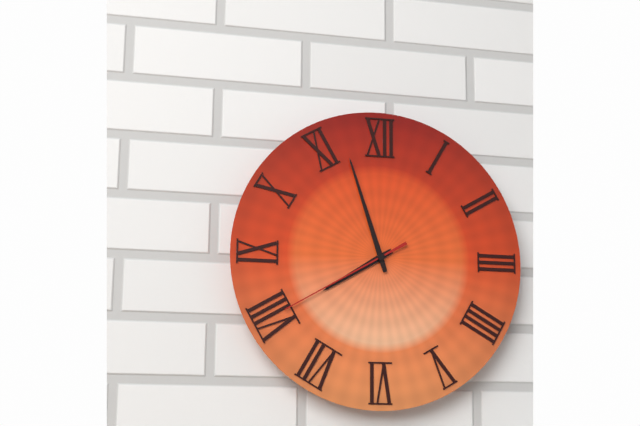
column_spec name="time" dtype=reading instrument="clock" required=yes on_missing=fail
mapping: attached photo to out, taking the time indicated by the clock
7:57:40
